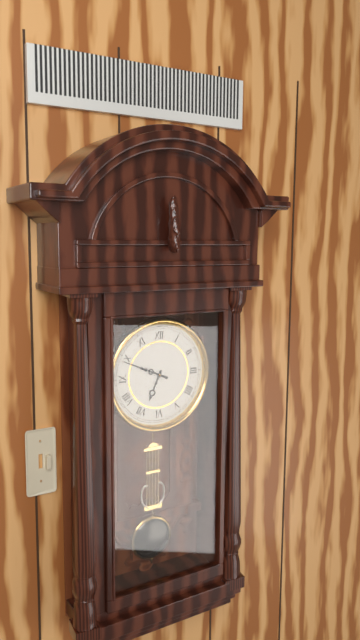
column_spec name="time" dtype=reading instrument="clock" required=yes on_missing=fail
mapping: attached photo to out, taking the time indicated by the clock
6:49
